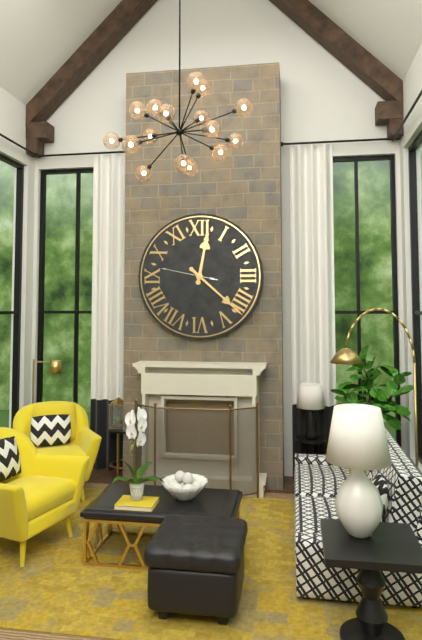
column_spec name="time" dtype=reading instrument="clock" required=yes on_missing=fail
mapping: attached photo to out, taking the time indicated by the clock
12:22
